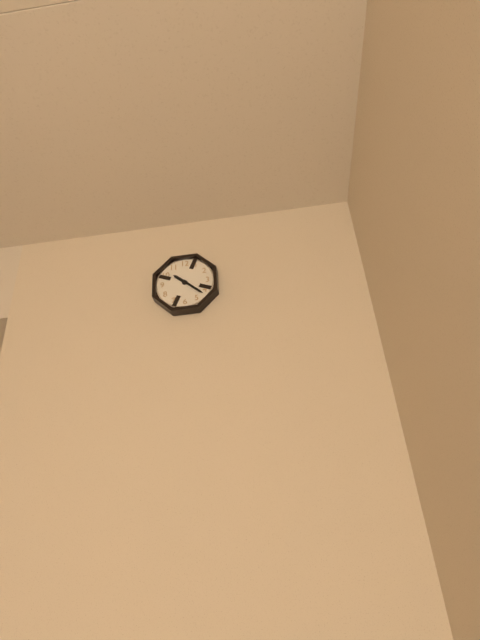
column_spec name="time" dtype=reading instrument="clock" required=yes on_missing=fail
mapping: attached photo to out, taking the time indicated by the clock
10:22
